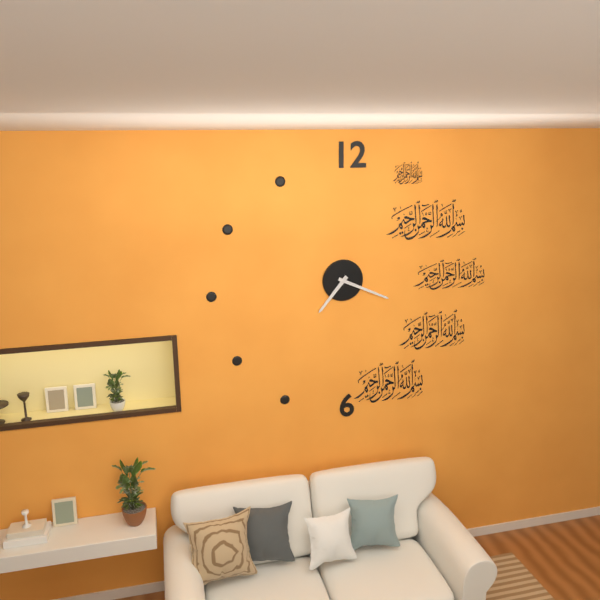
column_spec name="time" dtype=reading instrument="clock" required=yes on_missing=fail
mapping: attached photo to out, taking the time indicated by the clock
7:19
